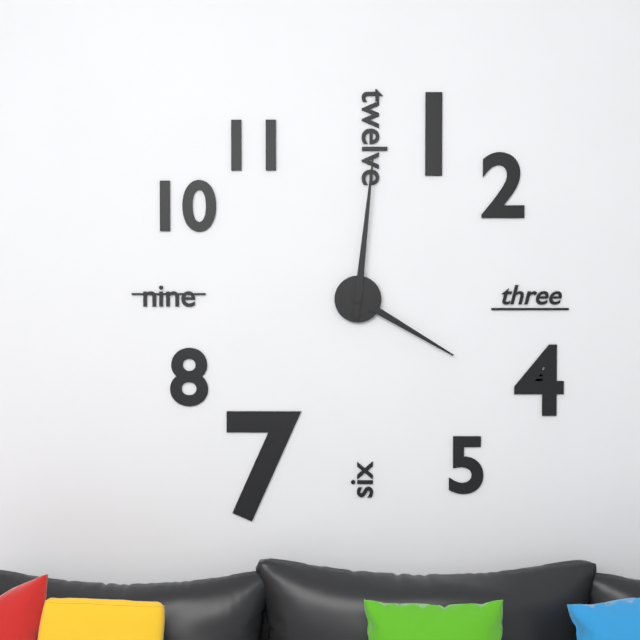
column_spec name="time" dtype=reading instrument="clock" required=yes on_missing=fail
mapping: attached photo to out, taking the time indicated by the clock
4:01
